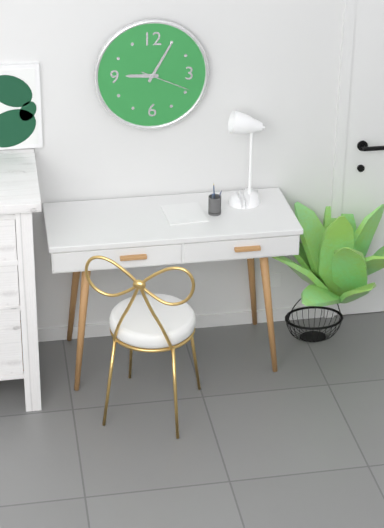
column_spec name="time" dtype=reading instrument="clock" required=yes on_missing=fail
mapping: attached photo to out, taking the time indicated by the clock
9:05:19
